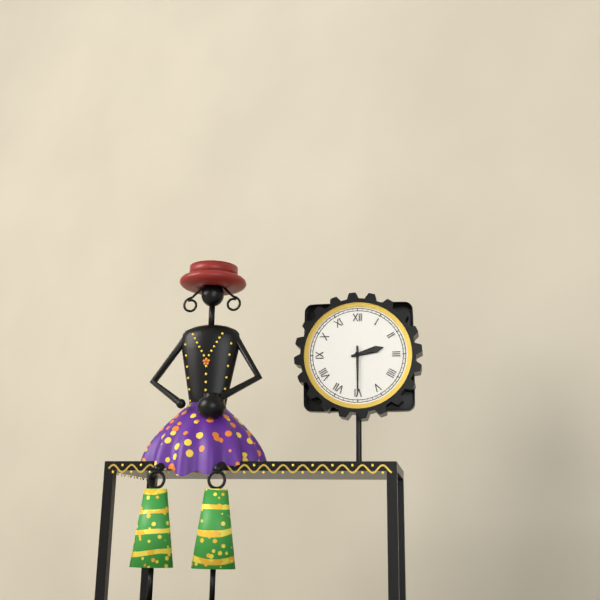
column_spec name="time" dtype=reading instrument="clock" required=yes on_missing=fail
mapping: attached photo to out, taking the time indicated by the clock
2:30
